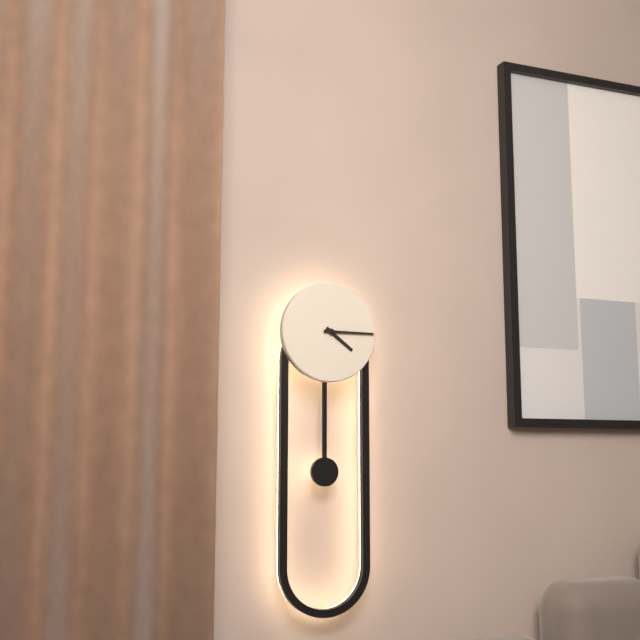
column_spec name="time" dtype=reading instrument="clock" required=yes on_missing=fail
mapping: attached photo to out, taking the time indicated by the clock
4:15
